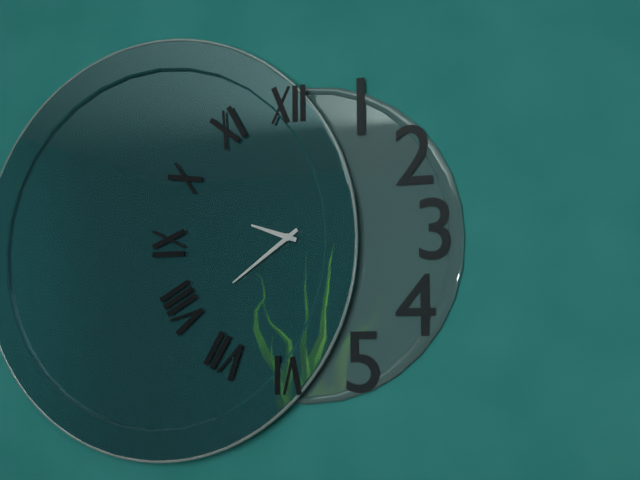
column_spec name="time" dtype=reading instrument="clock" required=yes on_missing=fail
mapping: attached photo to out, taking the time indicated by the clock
9:39
